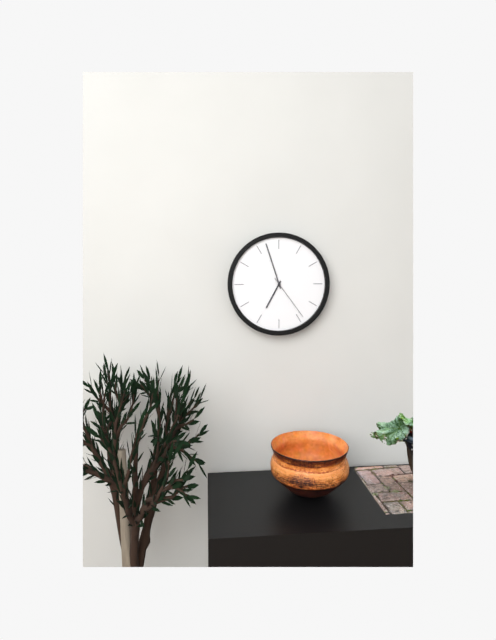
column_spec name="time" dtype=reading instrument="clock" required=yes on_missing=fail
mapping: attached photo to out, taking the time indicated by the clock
6:57:24
